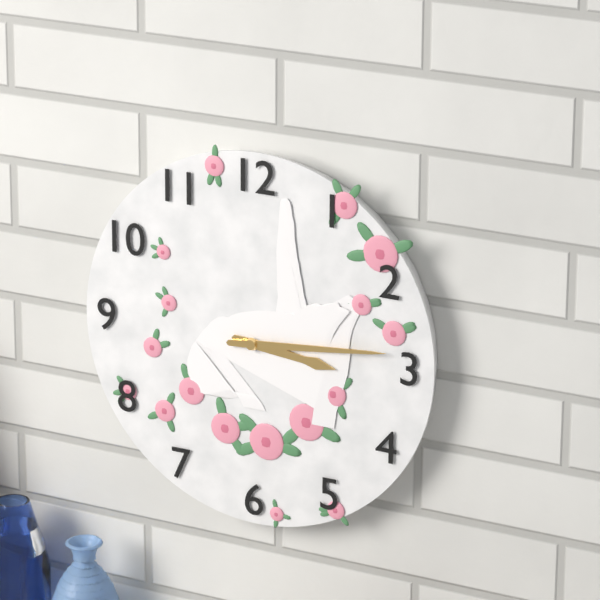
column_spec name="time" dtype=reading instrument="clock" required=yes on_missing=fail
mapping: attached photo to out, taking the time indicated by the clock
3:14
